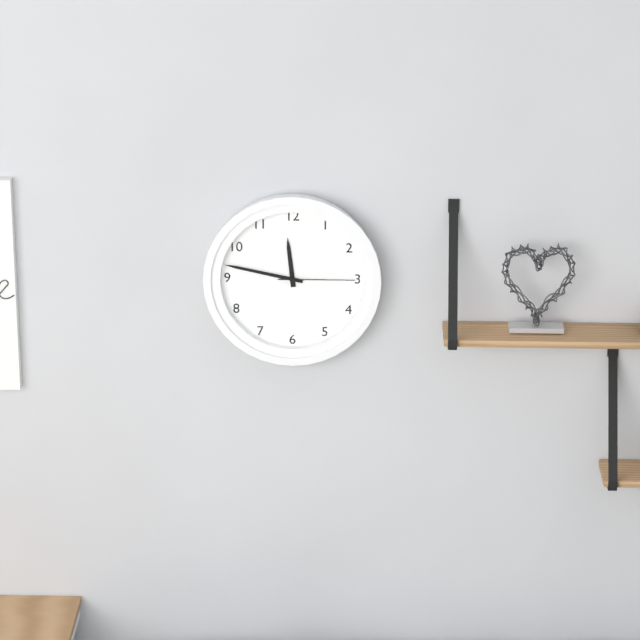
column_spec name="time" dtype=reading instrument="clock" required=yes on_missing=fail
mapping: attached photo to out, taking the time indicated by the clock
11:47:15
